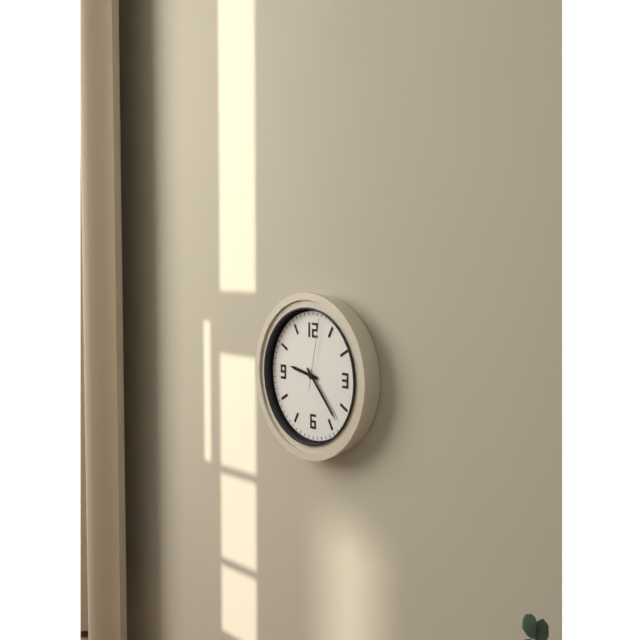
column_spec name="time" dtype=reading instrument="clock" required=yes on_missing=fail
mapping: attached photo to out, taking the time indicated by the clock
9:23:02
